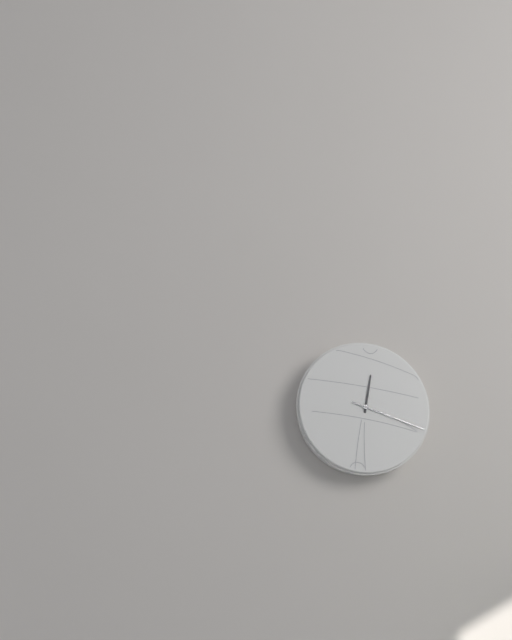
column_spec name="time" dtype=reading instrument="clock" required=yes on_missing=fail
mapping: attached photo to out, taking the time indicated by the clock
12:18
